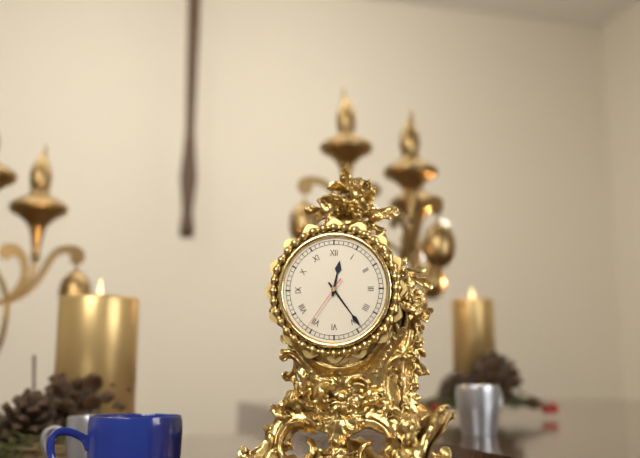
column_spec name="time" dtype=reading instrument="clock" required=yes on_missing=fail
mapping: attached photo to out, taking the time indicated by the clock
12:24:36
